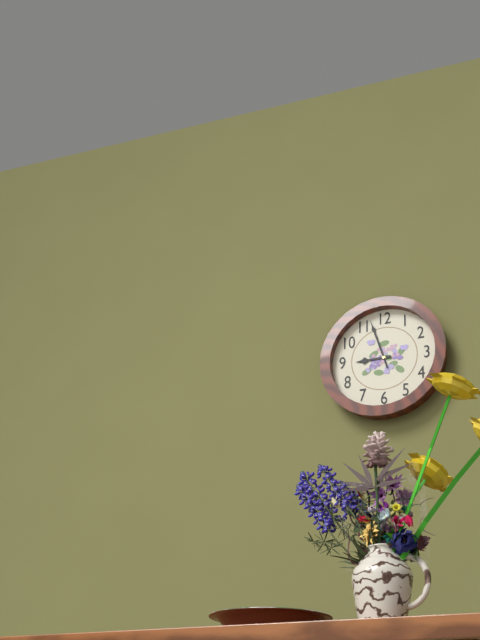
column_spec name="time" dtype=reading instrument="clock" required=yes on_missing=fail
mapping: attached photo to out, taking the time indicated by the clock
8:57
